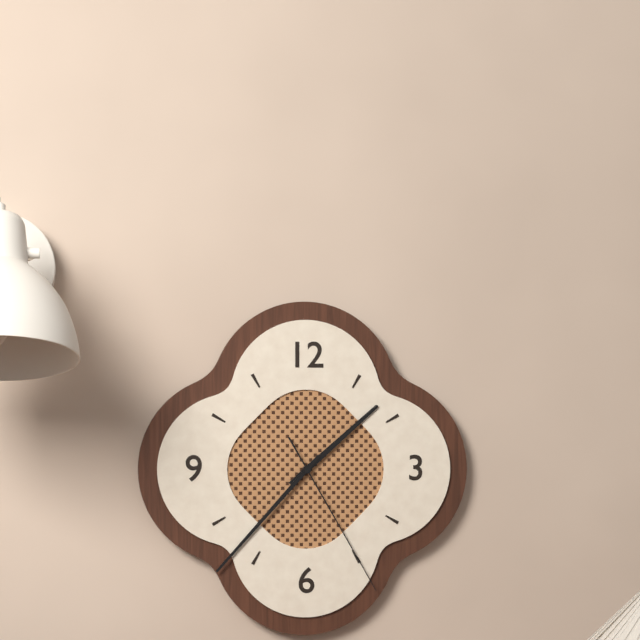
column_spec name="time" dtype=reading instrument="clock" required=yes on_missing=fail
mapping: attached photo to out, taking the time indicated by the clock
1:37:25
